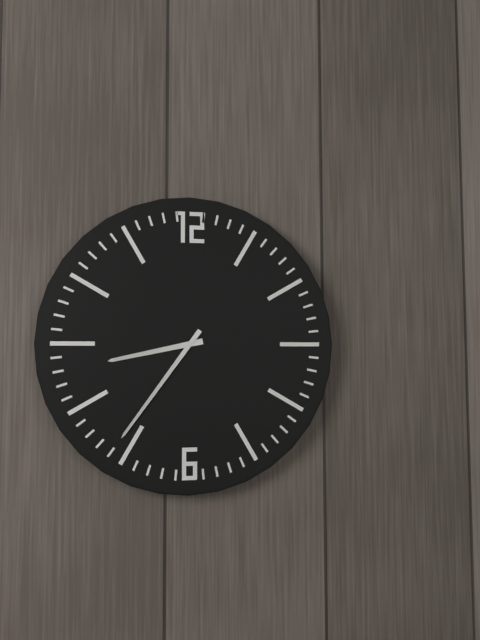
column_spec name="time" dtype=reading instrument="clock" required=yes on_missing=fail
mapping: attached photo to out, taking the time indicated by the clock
8:36
